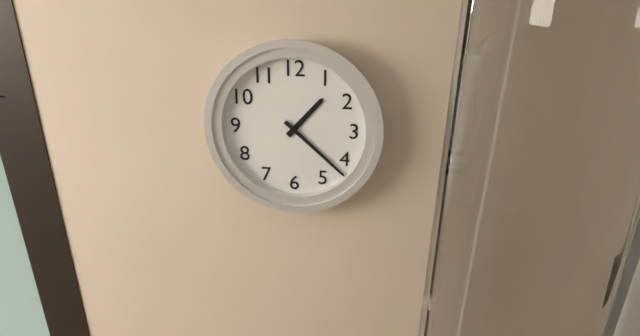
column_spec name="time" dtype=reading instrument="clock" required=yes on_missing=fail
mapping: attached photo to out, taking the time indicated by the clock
1:22
